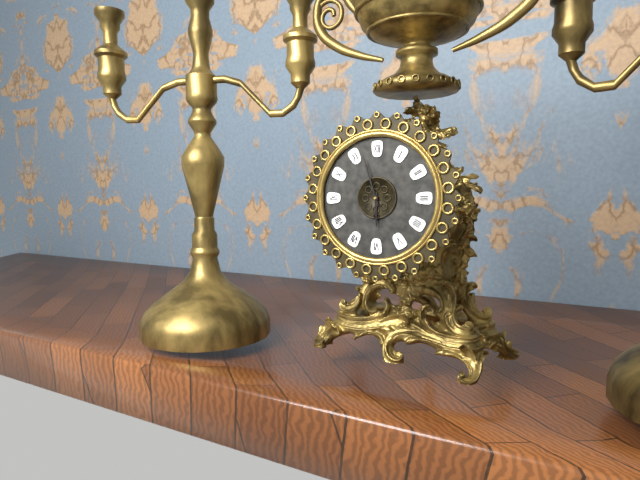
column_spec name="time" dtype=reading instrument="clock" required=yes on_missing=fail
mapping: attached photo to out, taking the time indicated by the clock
5:57
